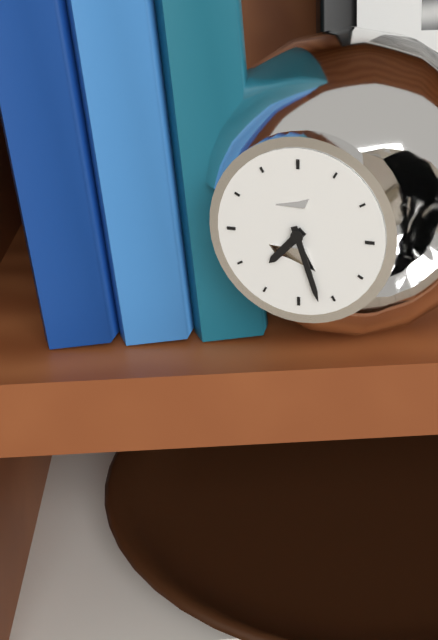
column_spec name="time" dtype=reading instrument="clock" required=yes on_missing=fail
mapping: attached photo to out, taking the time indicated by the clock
7:27
